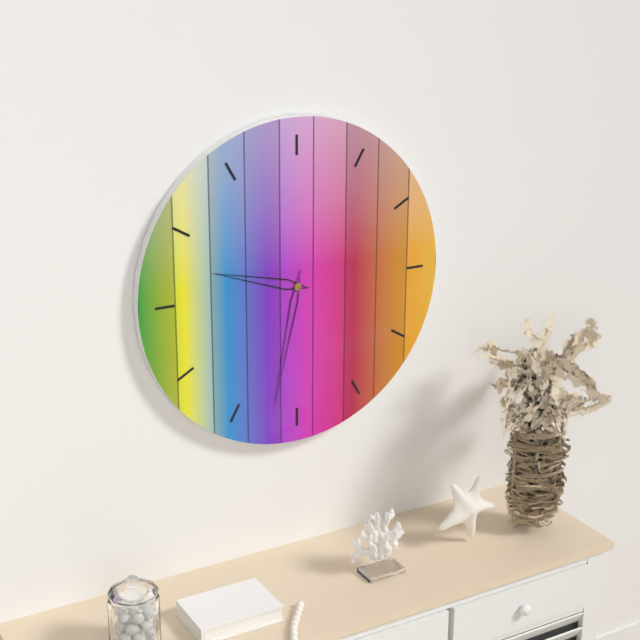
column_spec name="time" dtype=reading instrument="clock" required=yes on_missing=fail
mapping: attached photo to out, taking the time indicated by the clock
9:32
